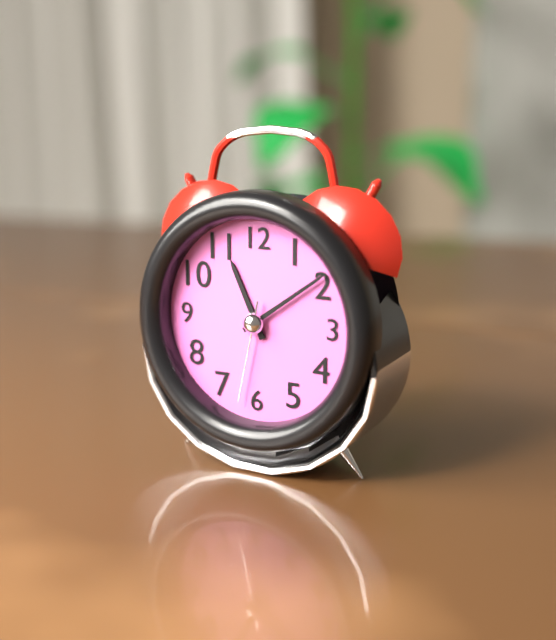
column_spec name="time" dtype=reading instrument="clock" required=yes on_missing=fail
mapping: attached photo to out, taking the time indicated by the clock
11:09:32
